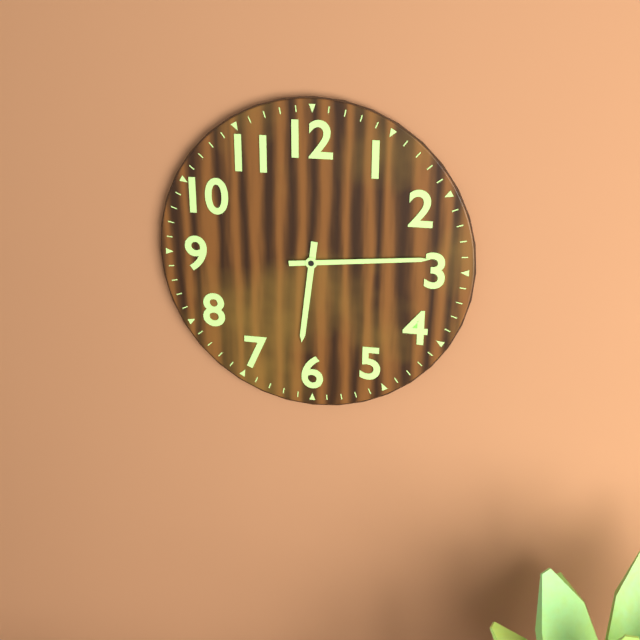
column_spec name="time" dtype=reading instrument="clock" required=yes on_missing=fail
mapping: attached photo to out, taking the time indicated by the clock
6:14
